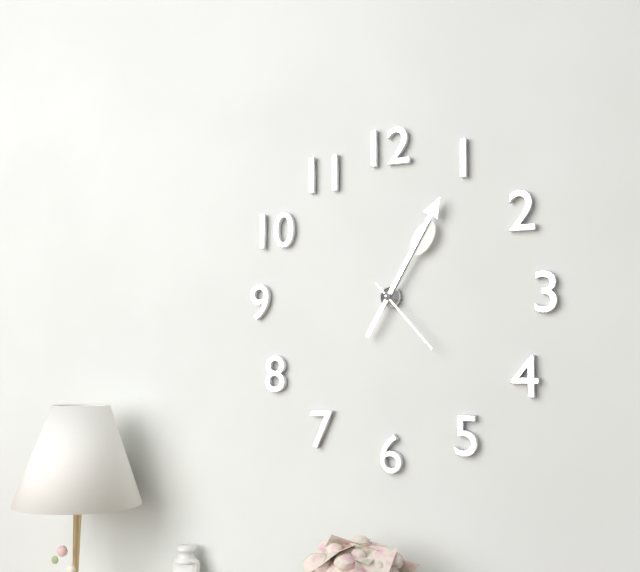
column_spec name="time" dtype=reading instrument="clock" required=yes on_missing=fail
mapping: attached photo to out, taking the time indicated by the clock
1:05:23
